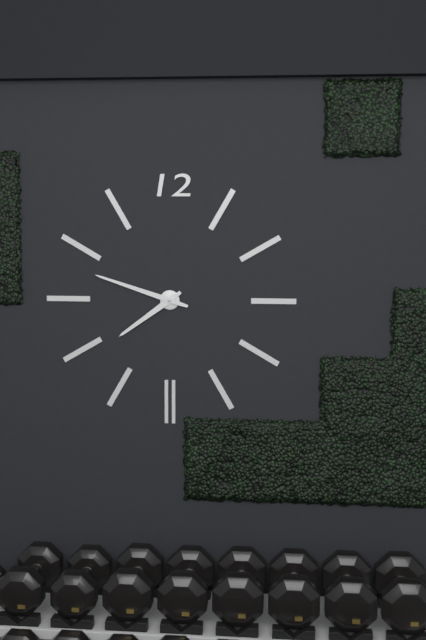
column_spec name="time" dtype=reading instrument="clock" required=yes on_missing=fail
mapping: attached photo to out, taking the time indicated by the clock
7:48
